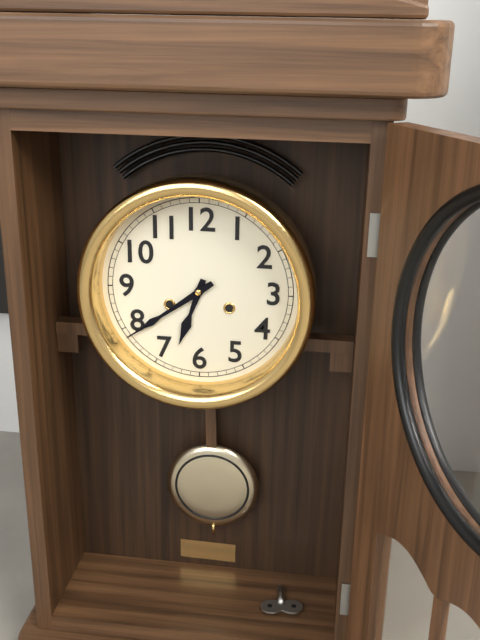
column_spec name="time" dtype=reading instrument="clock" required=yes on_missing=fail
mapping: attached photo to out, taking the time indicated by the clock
6:39
